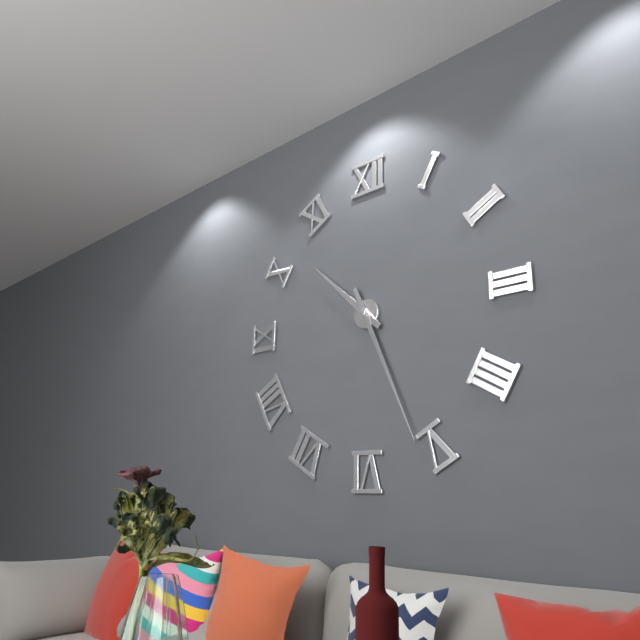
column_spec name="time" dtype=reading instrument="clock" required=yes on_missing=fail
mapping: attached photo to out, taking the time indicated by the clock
10:26
